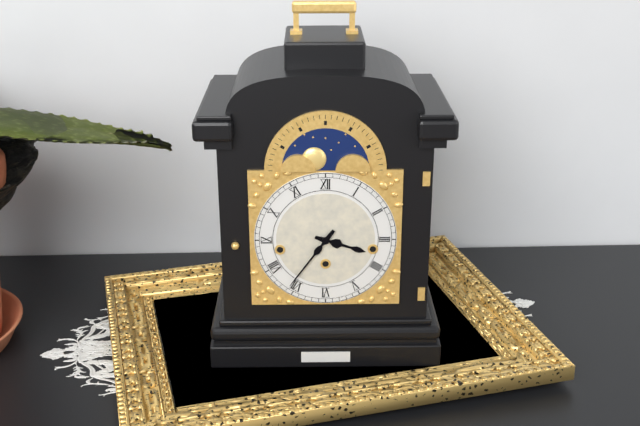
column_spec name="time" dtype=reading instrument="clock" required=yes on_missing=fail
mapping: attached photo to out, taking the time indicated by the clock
3:36
